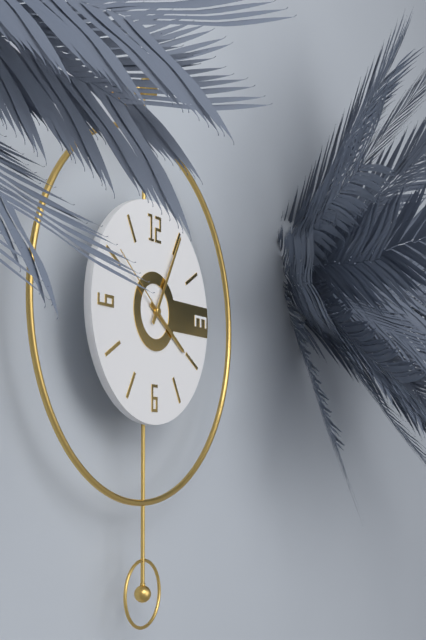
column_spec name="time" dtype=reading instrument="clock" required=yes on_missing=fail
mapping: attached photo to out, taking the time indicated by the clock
4:05:51
